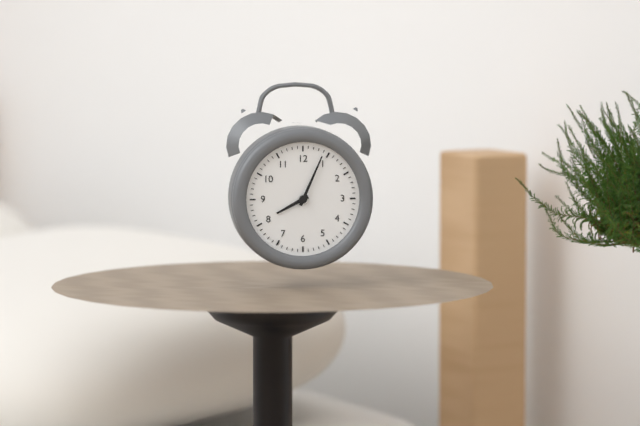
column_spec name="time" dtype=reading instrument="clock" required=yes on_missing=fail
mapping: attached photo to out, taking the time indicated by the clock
8:04
